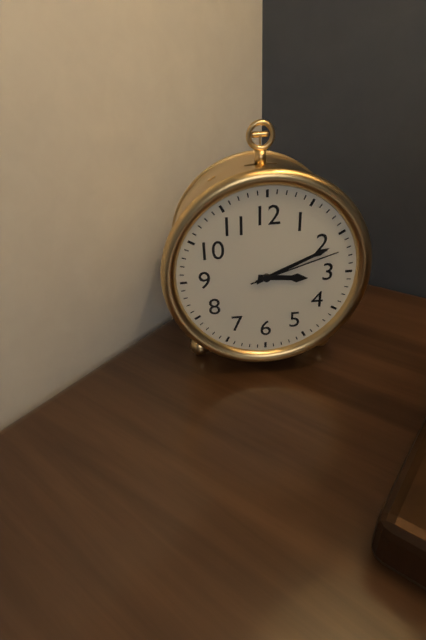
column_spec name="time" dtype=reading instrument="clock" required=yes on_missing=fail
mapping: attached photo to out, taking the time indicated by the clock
3:11:12
